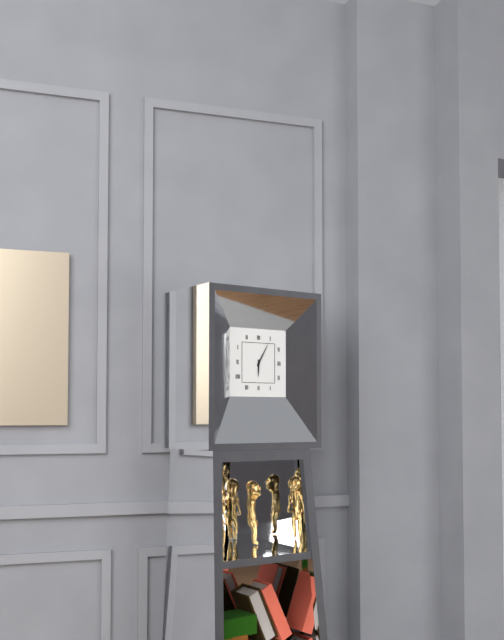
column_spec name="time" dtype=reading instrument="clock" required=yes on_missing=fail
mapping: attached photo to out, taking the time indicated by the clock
6:05
